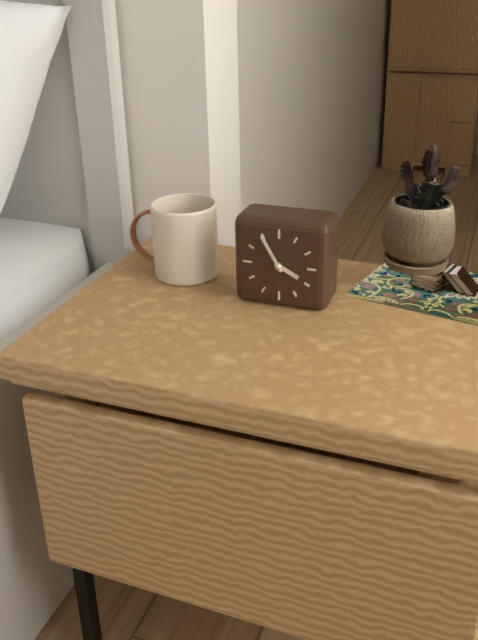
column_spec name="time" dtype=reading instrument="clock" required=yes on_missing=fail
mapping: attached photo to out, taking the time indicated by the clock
3:55
